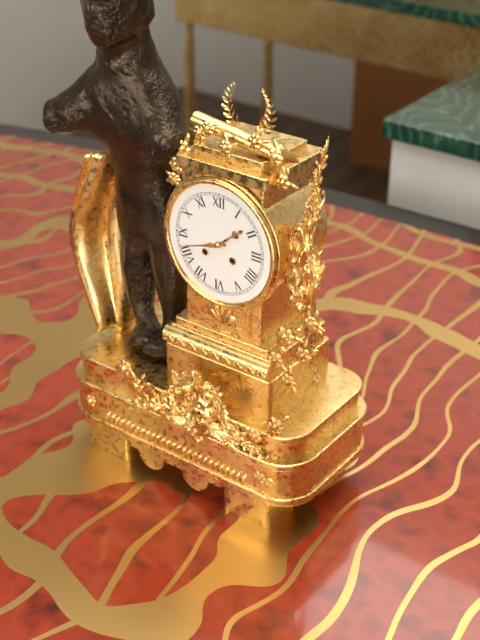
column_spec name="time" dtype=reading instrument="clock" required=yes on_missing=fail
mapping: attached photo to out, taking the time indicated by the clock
1:42
